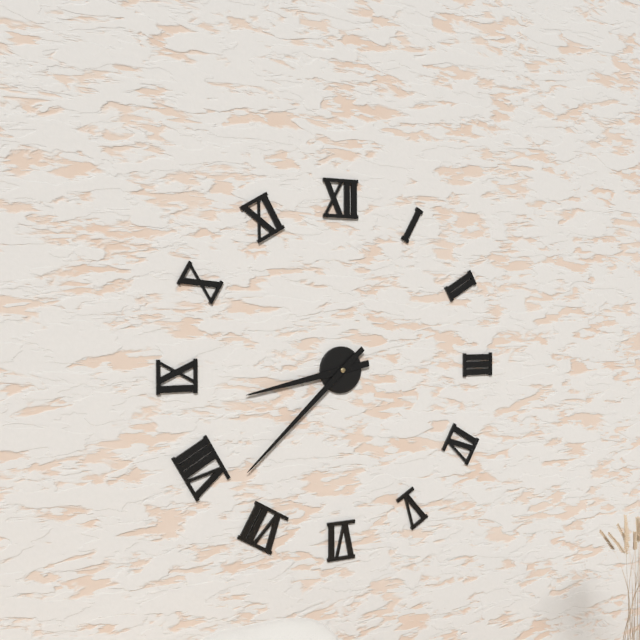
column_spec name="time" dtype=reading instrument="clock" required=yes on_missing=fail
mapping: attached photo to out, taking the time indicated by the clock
8:38
